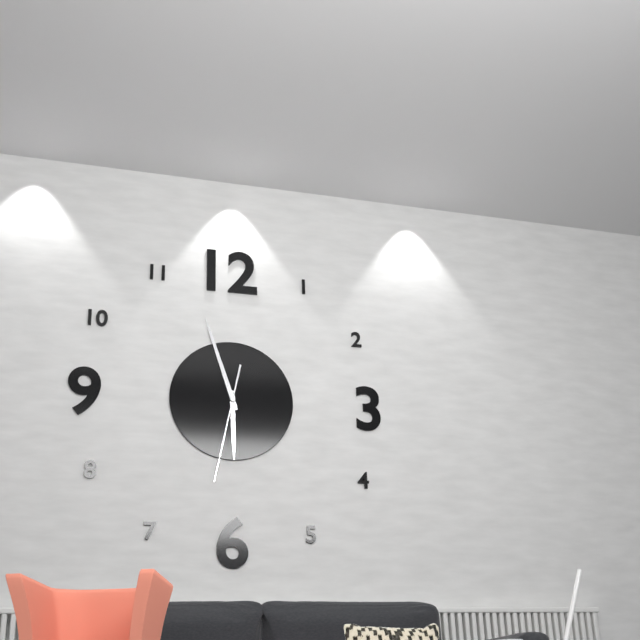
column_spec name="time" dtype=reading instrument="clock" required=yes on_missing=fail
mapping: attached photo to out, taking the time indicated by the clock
5:57:32
